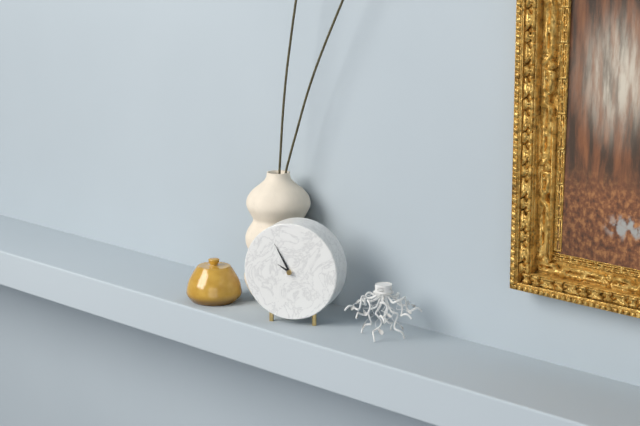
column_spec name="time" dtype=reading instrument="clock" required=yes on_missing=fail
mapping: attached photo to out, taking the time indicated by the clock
9:55
